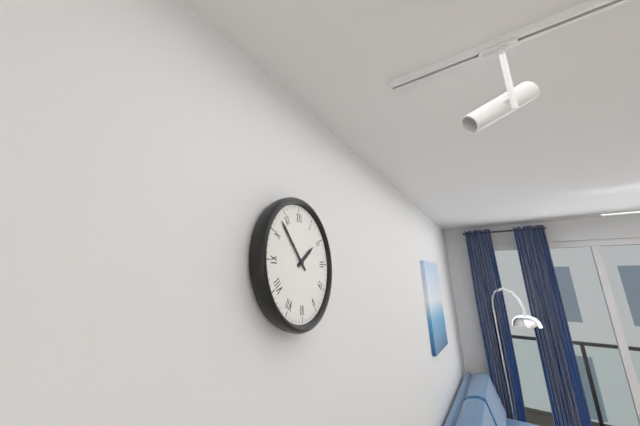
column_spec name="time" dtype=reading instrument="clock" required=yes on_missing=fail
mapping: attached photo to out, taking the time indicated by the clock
1:53
